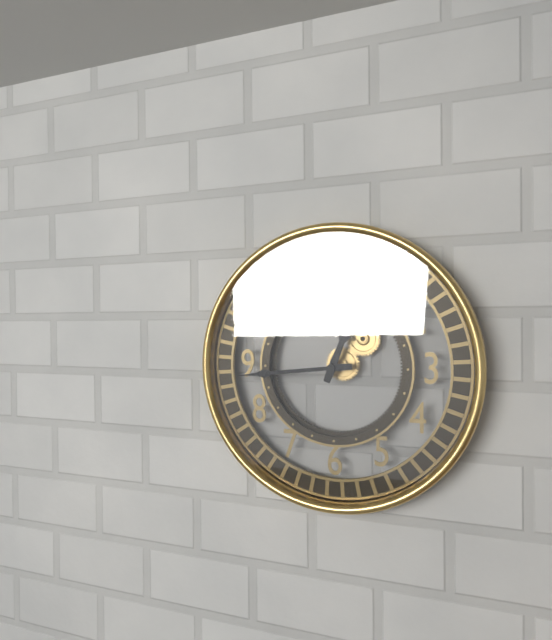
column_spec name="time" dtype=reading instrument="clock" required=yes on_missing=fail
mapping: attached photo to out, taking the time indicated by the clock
12:44
